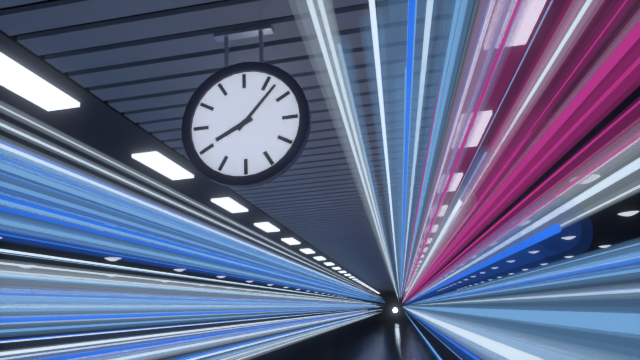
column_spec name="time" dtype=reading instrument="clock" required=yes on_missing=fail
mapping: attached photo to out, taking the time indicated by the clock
8:07
